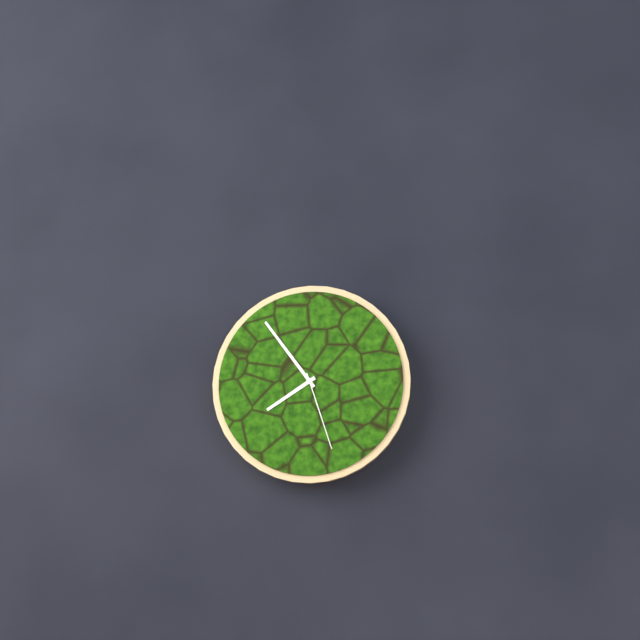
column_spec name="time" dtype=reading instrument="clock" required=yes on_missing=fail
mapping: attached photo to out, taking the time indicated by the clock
7:54:27
